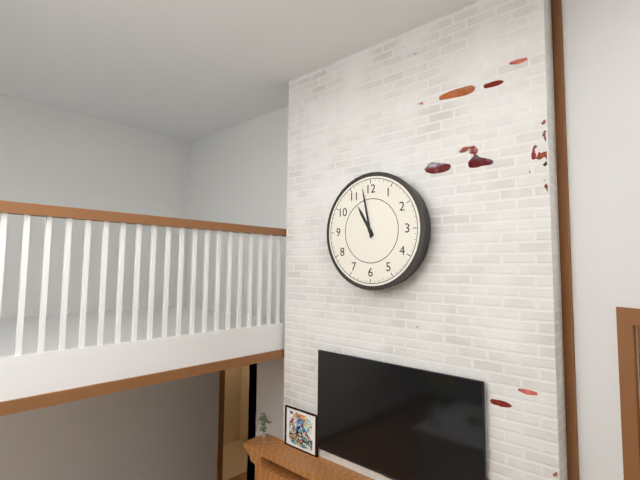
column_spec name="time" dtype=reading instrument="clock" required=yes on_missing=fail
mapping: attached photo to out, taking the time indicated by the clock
10:58
